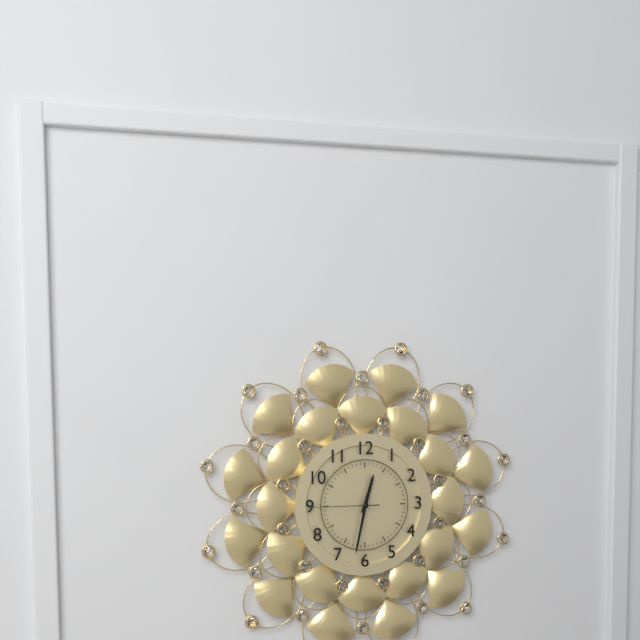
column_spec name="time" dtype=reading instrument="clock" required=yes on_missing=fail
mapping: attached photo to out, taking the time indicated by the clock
12:32:45
